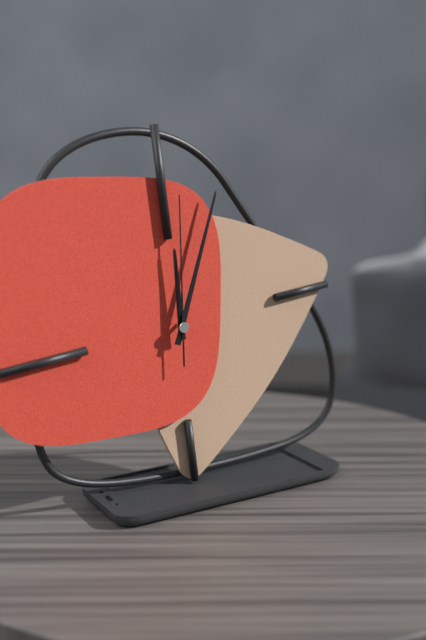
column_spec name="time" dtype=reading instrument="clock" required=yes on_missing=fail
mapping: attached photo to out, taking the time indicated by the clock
12:04:01
